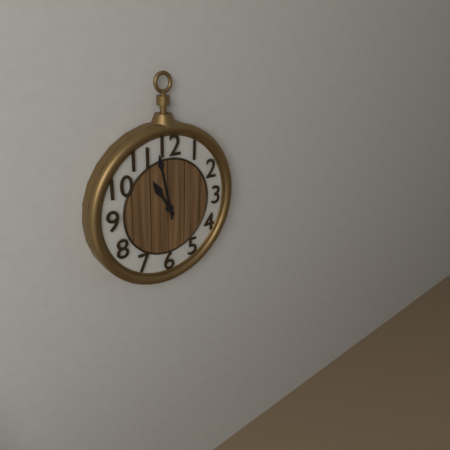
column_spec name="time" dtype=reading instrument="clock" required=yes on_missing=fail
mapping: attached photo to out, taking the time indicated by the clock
10:58
